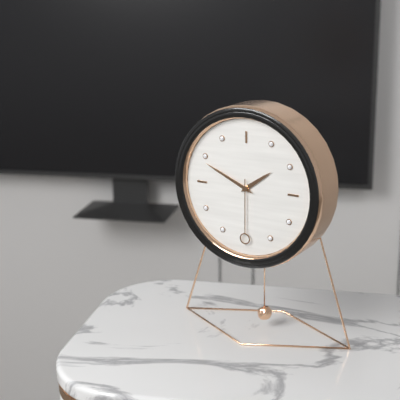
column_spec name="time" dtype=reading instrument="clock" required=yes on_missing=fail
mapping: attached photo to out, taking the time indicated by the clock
1:49:30
